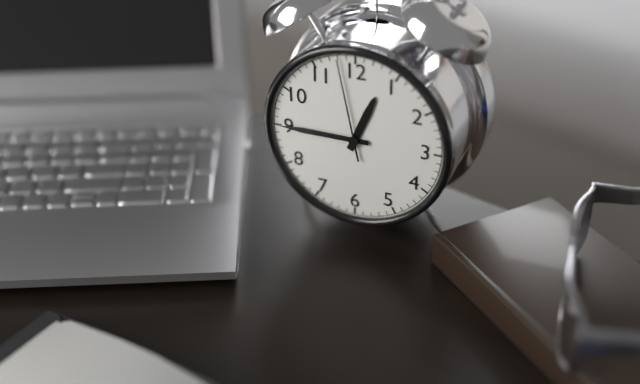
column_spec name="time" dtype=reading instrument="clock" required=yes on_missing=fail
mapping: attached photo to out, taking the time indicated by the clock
12:45:58
